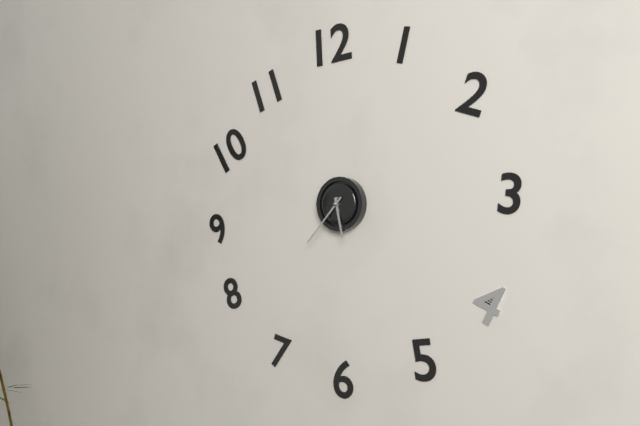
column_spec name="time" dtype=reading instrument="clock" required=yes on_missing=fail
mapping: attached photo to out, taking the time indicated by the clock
5:37
